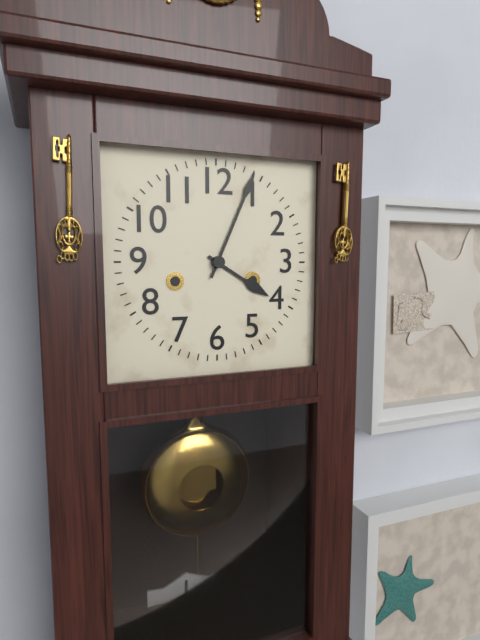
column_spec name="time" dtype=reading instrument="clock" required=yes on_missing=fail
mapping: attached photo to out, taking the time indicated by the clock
4:04
